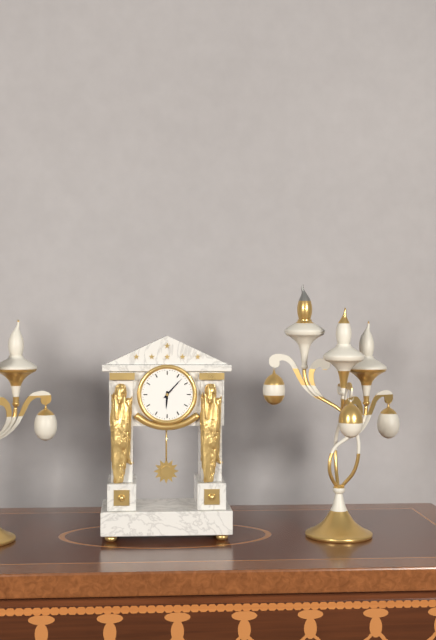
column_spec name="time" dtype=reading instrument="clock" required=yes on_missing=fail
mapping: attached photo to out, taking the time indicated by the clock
6:07
